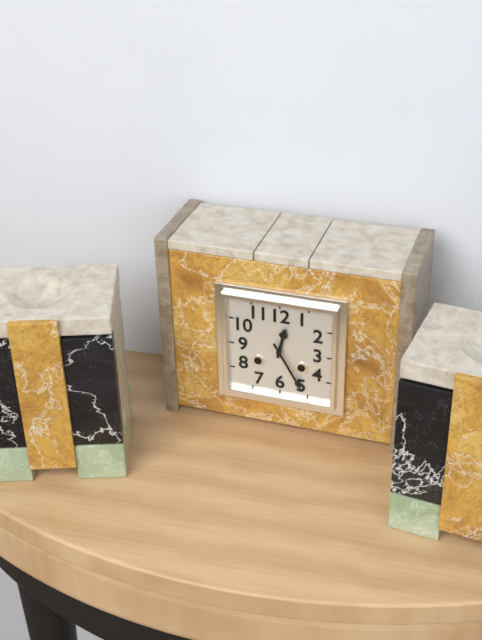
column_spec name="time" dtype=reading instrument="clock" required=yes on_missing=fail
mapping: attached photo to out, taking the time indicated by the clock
12:25
